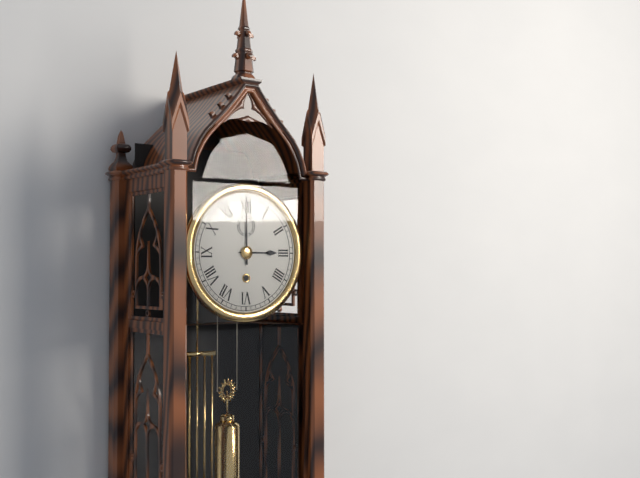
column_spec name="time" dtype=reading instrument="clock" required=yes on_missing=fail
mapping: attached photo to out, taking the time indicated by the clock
3:00
